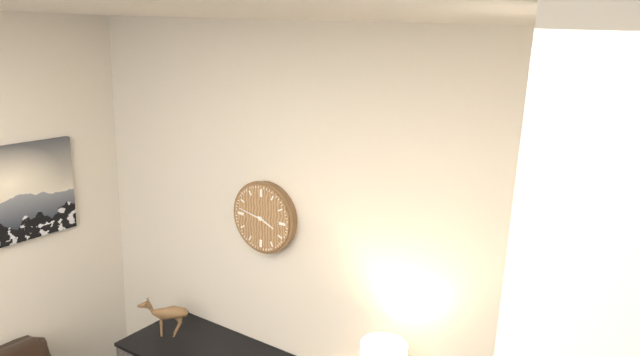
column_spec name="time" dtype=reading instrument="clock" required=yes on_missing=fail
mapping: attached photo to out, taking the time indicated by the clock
3:47
